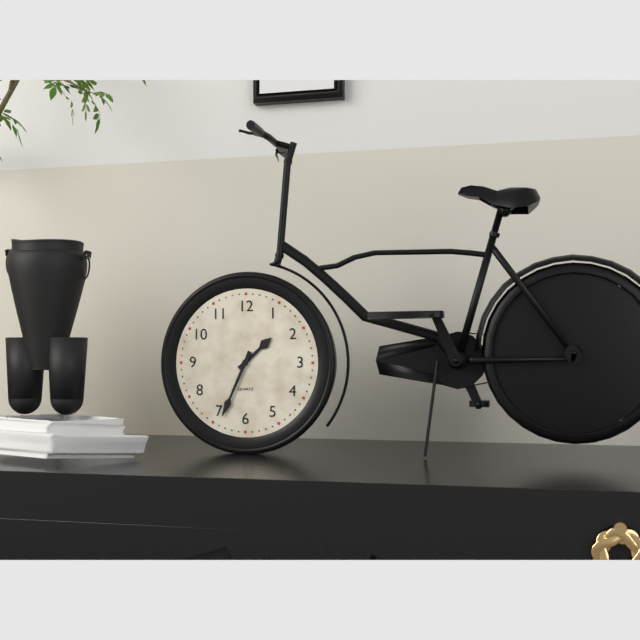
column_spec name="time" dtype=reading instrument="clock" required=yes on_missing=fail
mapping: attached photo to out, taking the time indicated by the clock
1:34
